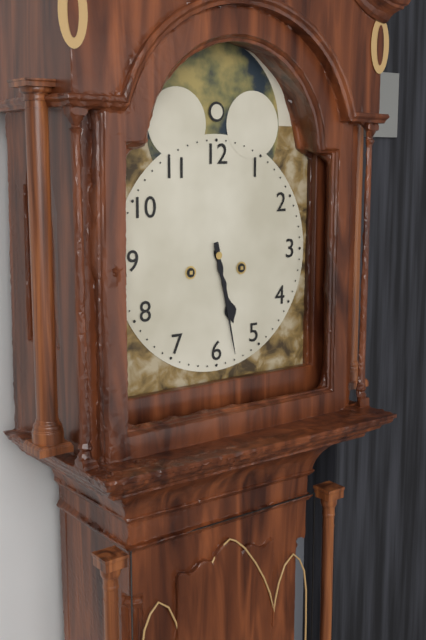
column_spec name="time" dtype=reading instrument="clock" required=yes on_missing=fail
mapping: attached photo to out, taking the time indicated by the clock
5:28
